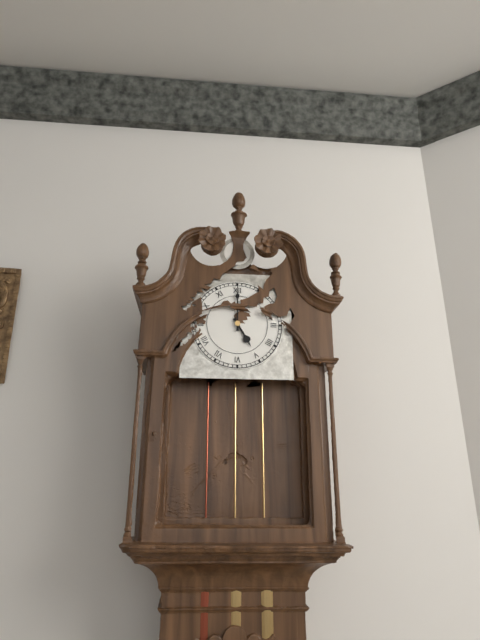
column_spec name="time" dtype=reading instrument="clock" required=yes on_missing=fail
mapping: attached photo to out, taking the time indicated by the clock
5:00
